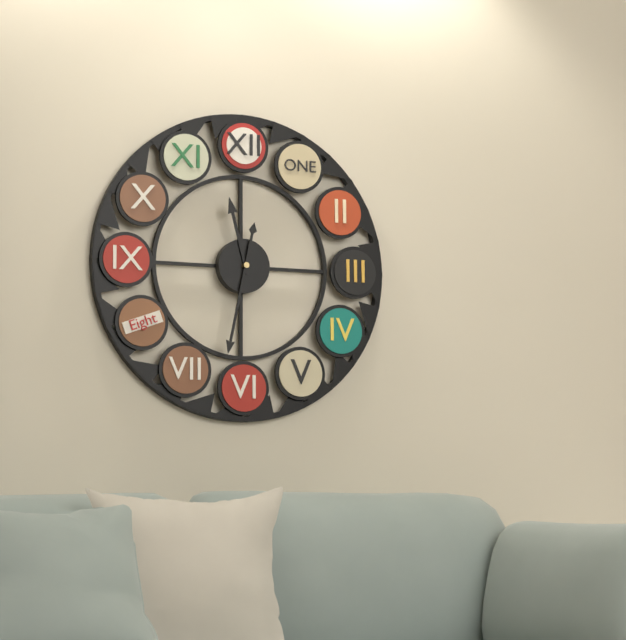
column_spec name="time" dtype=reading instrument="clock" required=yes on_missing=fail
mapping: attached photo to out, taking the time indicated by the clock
11:32
